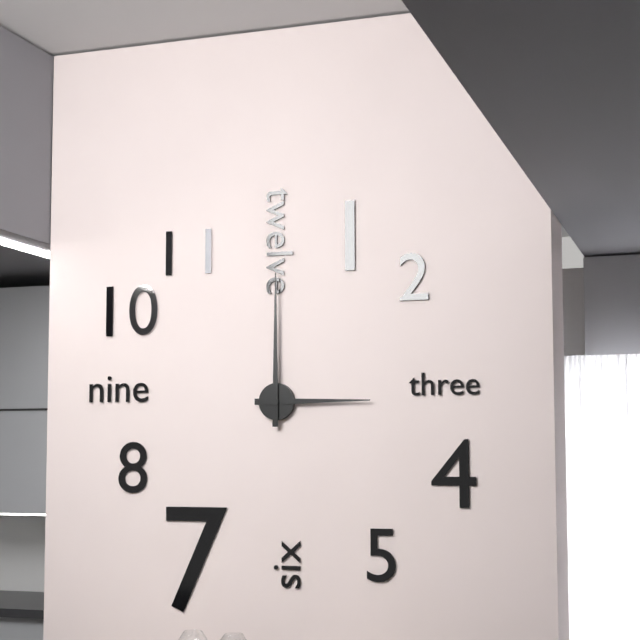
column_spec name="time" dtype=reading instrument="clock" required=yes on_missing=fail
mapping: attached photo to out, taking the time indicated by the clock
3:00
